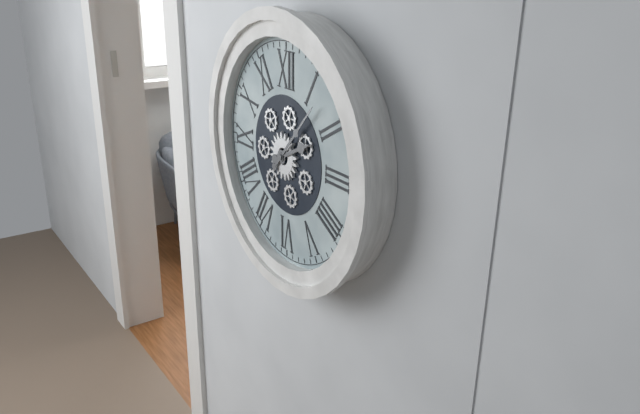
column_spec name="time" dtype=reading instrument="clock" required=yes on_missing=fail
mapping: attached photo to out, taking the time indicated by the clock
2:07
